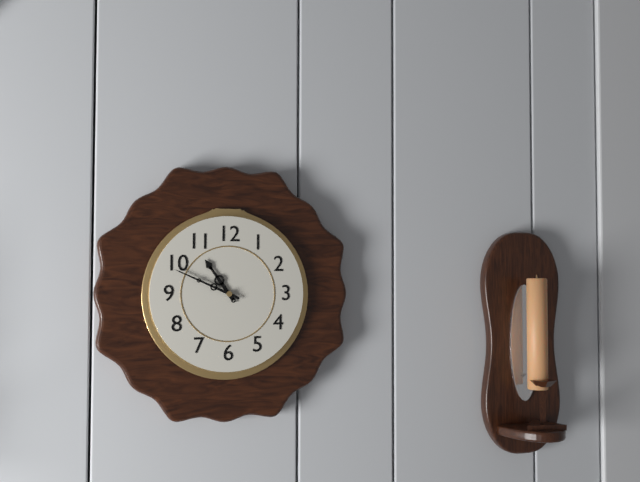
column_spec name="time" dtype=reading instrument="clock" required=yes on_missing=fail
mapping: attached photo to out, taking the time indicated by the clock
10:49
